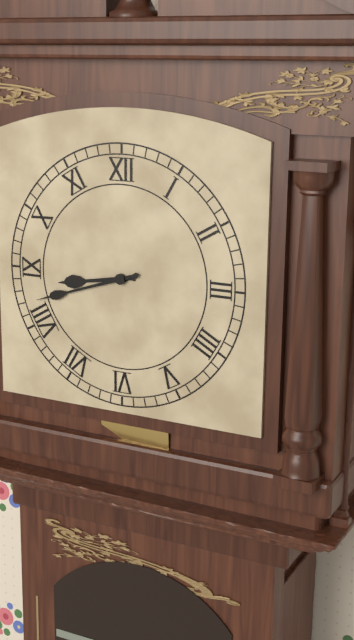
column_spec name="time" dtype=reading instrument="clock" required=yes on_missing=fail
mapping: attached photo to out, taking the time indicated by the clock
8:42
